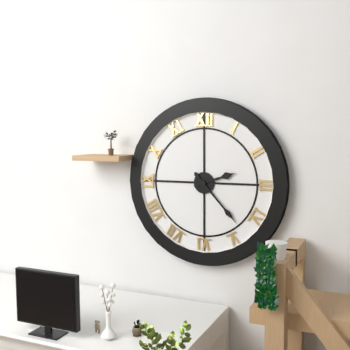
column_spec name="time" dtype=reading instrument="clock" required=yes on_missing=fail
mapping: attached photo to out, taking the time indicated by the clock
2:23
